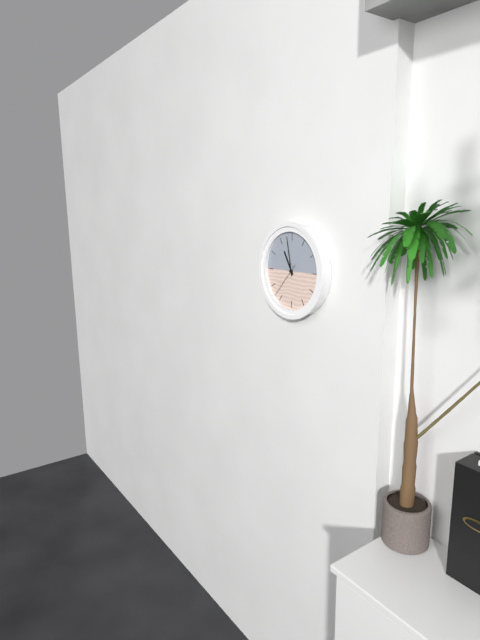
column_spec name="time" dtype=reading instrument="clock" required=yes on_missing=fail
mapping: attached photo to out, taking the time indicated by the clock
10:58
